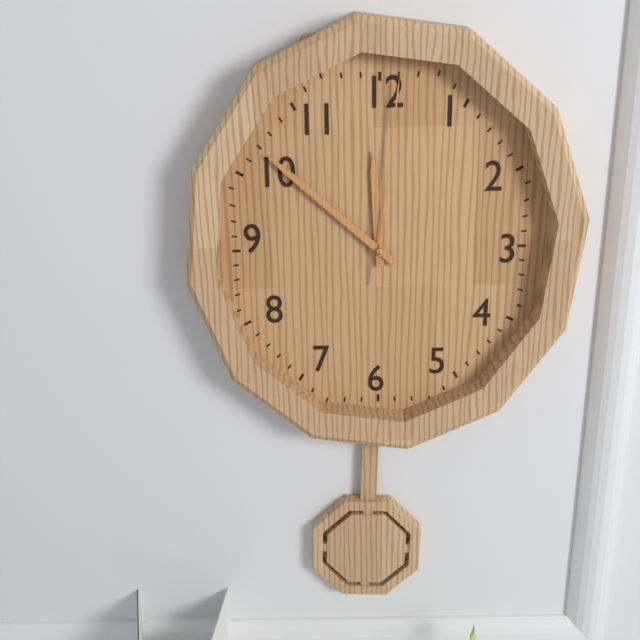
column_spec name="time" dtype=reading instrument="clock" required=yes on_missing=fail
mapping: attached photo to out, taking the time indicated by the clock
11:52:01
